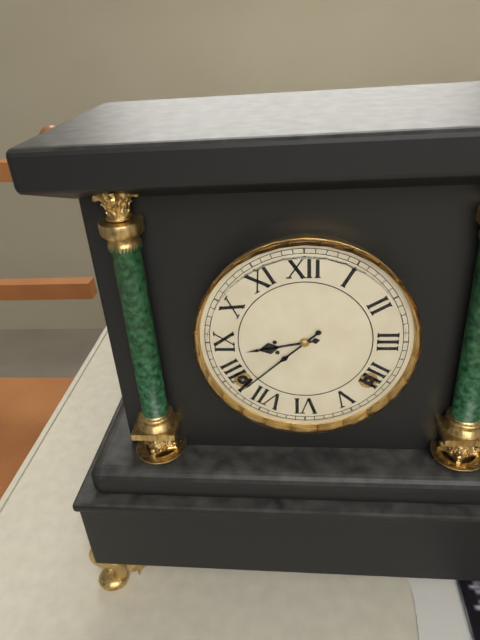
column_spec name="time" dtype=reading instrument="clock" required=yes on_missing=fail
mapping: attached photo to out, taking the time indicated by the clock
8:38
